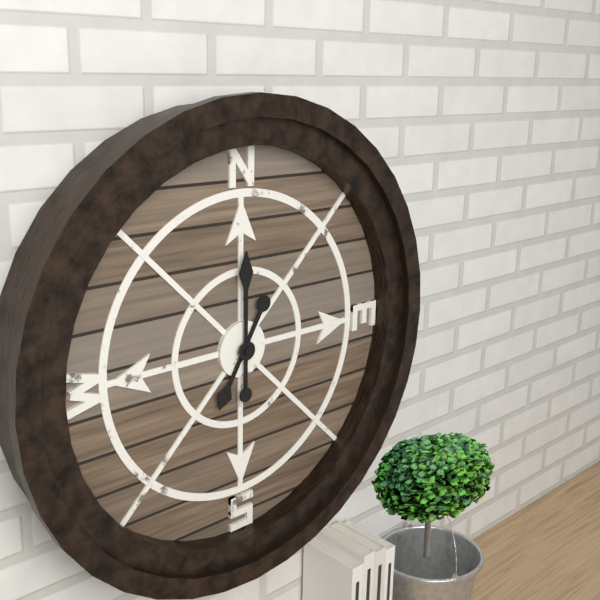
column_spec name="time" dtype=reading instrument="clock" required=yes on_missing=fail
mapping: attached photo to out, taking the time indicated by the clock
7:00
